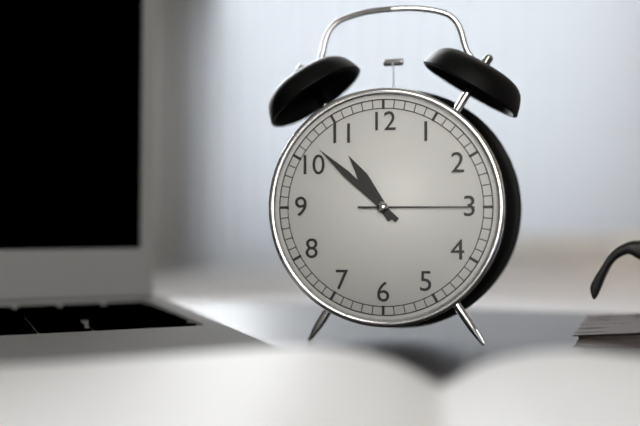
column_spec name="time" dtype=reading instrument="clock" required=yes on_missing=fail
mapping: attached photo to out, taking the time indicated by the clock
10:52:15
